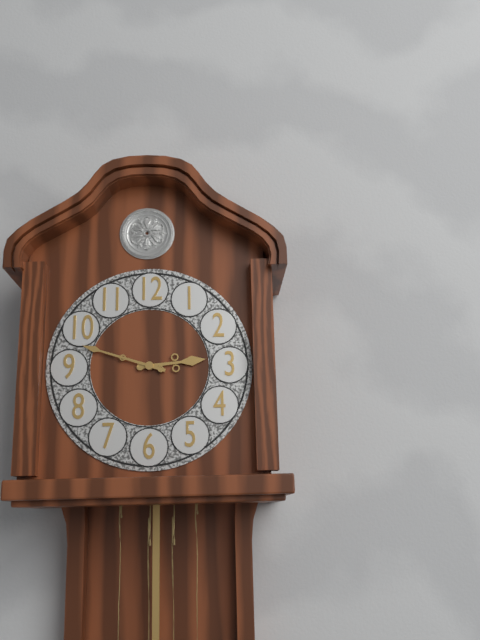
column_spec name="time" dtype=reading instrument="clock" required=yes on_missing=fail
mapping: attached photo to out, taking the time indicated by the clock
2:48
